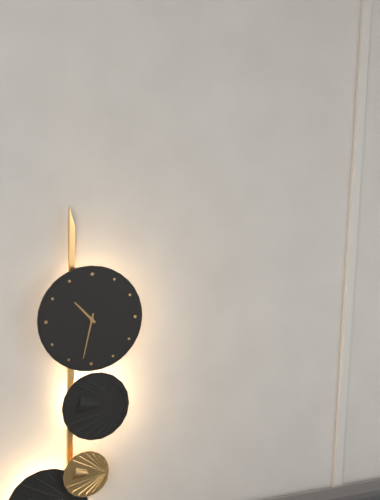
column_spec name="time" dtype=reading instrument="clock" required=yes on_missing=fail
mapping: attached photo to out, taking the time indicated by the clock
10:32
